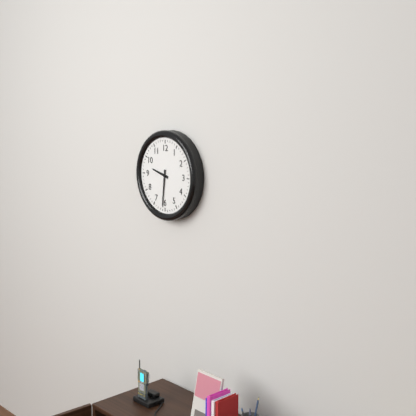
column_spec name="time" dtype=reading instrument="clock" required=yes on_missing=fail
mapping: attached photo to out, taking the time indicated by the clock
9:31
